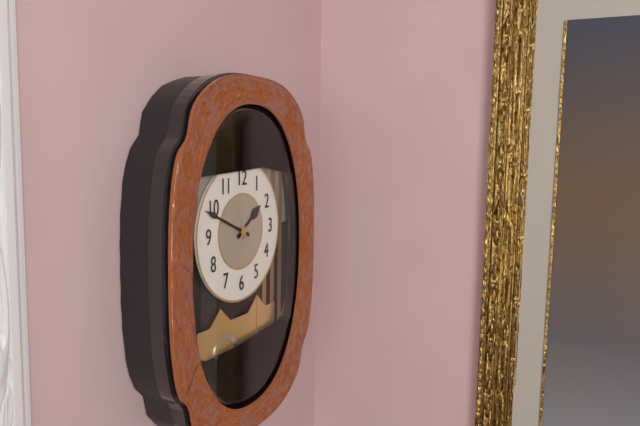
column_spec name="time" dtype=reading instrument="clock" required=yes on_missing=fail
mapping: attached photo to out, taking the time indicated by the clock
1:49
